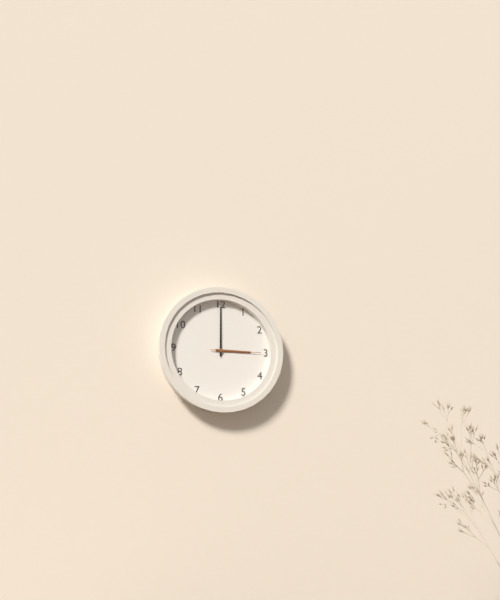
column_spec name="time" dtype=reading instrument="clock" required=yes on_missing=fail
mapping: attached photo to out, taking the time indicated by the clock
3:00:15
